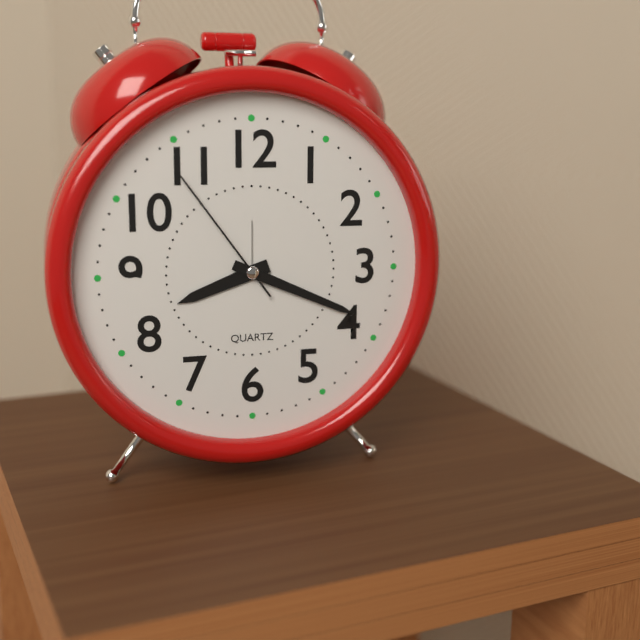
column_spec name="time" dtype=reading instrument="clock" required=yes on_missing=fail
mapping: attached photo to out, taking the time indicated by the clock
8:19:54
